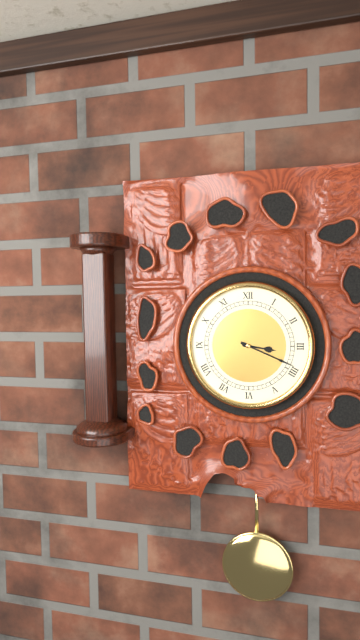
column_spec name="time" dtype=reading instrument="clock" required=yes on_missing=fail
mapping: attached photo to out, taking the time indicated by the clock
3:19
